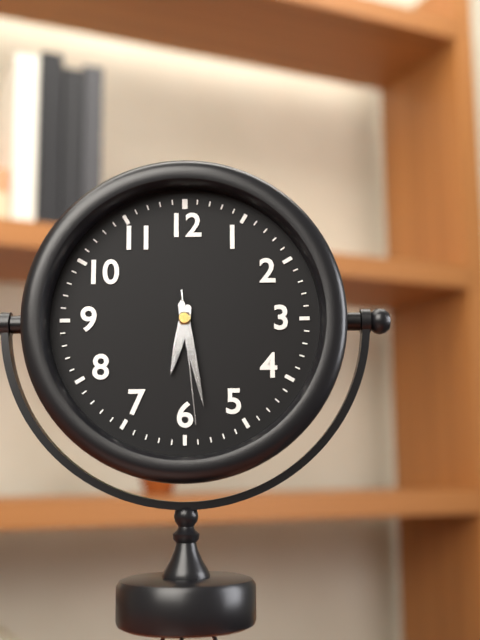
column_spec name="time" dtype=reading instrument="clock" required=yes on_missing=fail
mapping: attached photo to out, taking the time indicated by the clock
6:28:29
